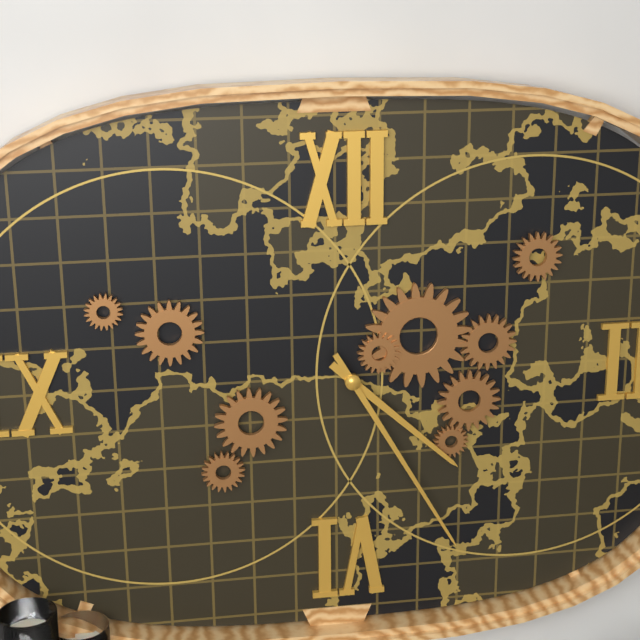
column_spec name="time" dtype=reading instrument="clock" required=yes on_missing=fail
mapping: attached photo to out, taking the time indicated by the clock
4:25
